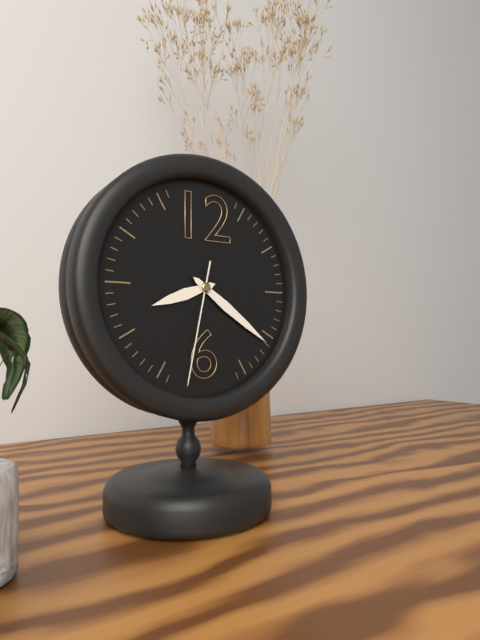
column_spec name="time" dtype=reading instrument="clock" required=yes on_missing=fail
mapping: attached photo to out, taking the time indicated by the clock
8:21:32
